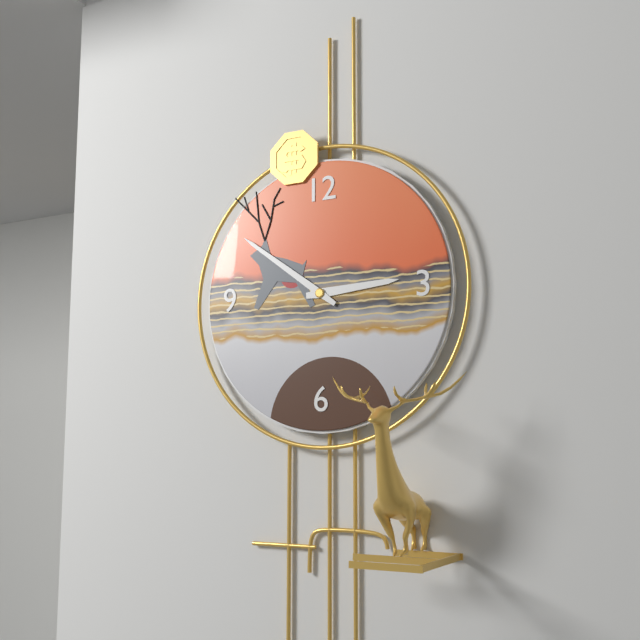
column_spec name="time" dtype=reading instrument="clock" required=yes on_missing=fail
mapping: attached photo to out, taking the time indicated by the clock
2:51
